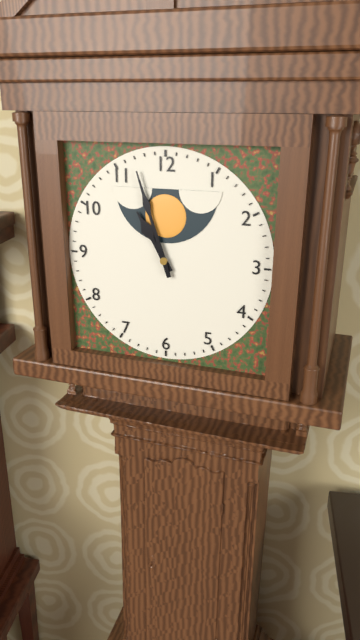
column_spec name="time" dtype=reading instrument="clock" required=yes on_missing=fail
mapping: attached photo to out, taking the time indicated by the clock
10:57
